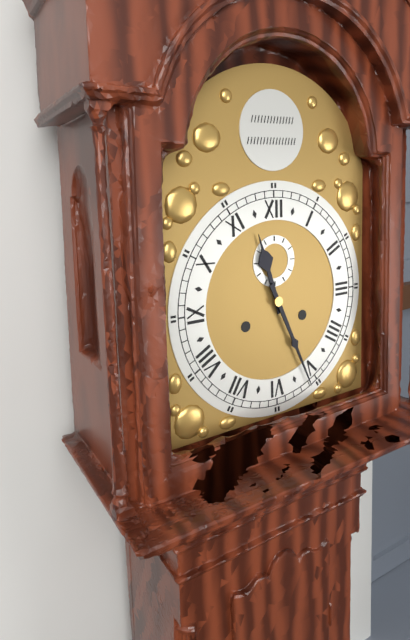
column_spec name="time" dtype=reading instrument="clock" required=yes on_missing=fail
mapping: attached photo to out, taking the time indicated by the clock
11:26
